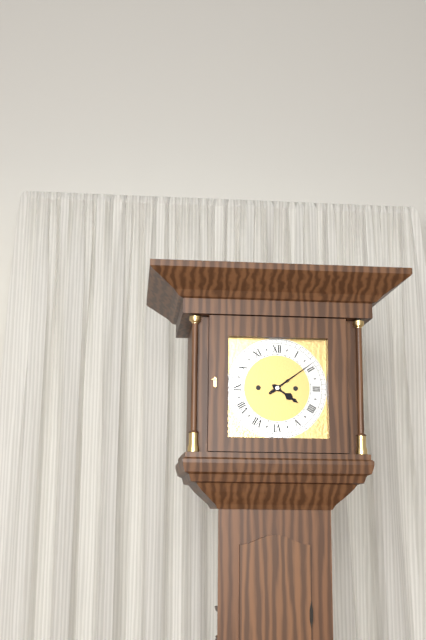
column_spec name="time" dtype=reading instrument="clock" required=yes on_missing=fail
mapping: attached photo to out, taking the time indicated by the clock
4:09
